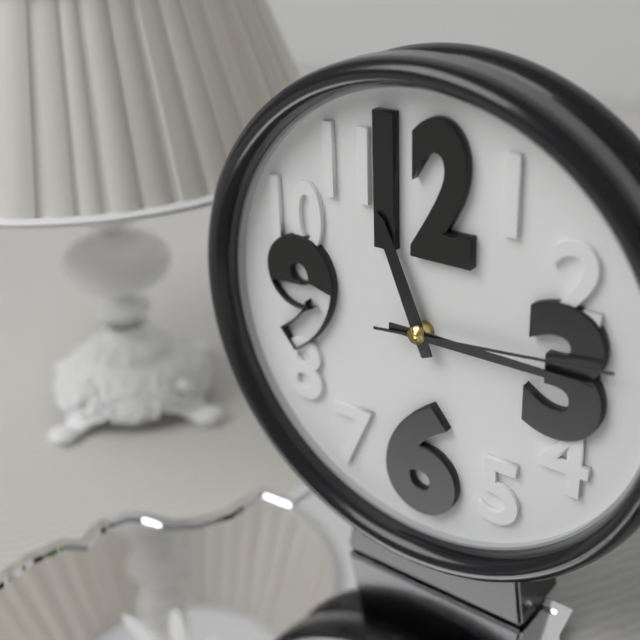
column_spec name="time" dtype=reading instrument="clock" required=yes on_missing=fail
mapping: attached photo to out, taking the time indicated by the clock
11:15:14
